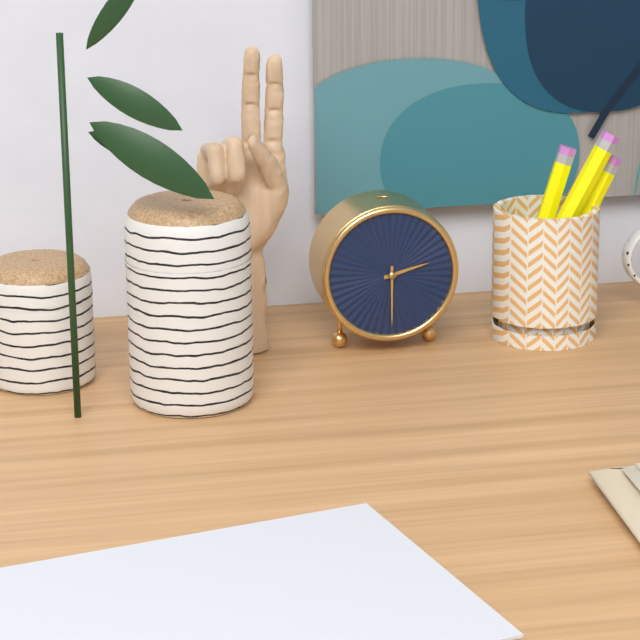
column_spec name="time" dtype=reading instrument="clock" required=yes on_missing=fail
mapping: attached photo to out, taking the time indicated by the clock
2:30
